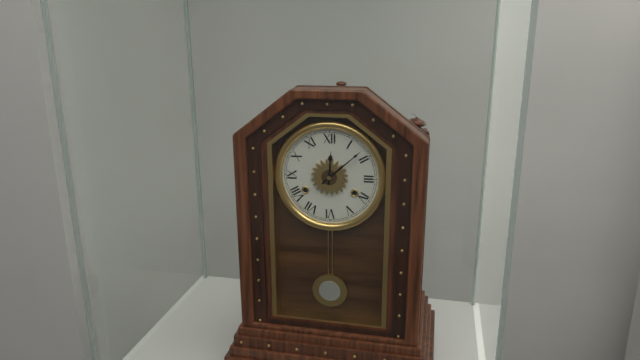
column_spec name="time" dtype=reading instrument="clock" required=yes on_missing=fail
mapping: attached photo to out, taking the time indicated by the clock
12:08
